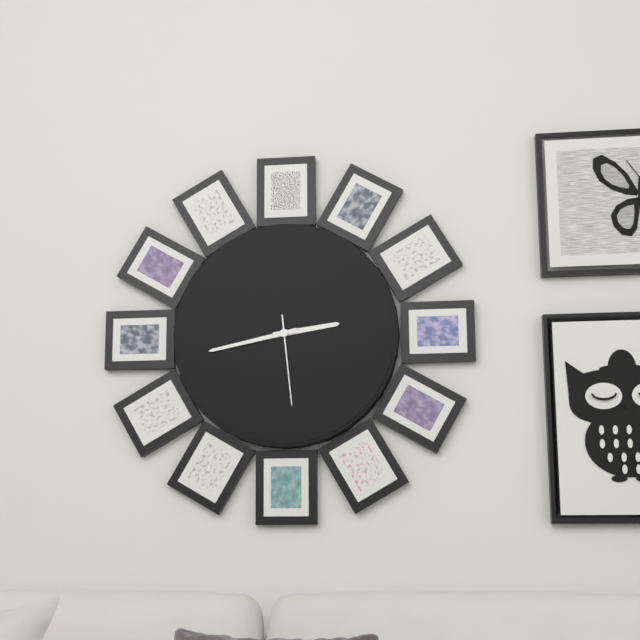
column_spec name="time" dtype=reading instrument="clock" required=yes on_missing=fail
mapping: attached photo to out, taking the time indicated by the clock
2:43:29
